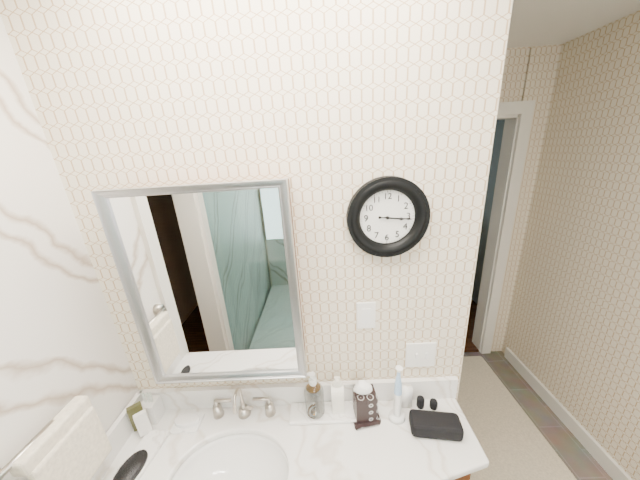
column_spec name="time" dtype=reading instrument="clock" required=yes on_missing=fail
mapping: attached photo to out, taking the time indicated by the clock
3:16
